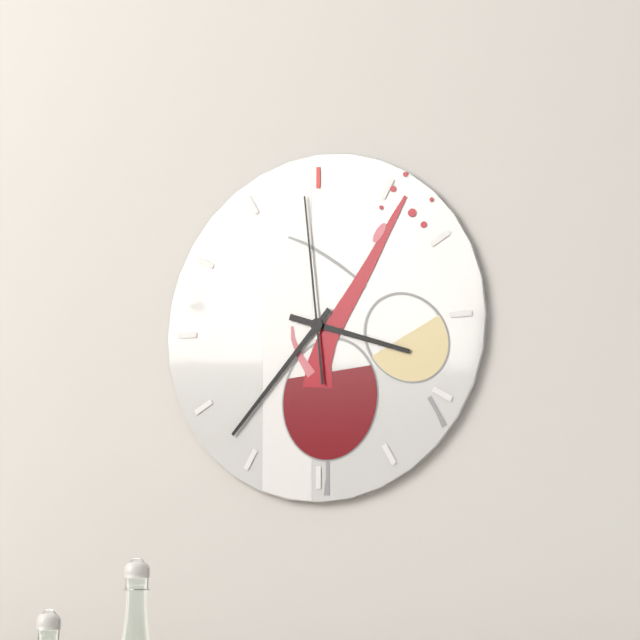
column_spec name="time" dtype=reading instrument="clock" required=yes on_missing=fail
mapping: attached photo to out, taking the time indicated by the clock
3:37:59
